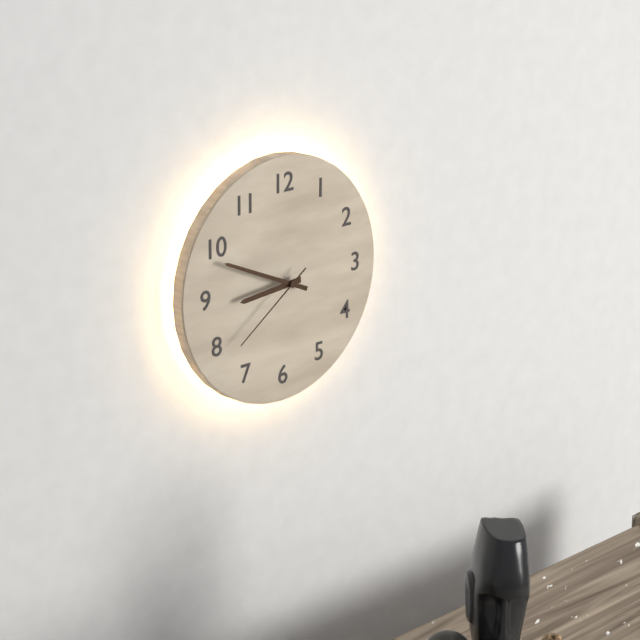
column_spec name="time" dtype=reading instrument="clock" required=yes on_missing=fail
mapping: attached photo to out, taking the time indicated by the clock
8:49:39
